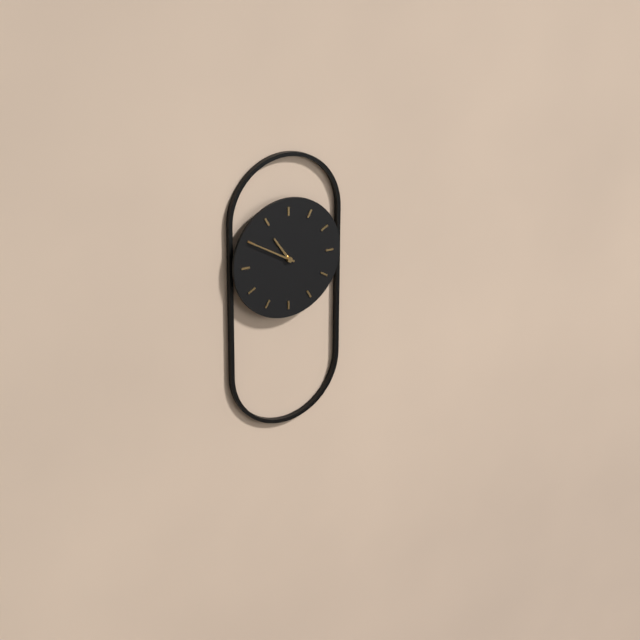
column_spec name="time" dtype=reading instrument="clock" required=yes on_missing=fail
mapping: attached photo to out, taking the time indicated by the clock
10:50
